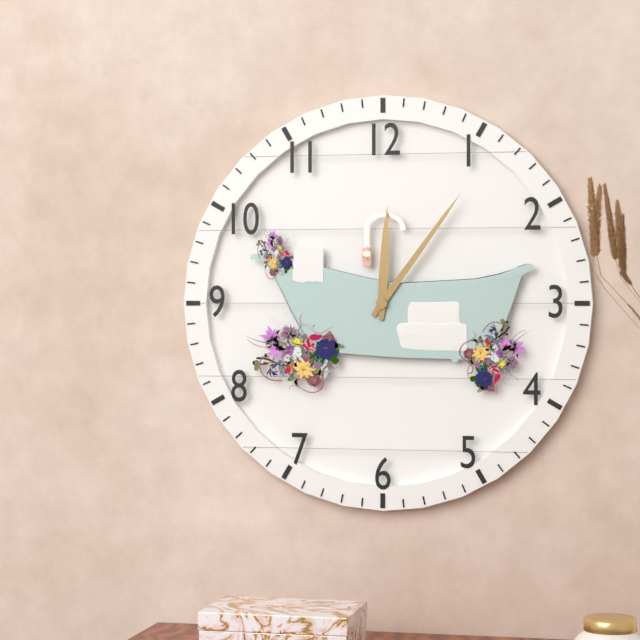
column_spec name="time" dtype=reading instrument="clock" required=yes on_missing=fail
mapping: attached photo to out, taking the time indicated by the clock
12:06
